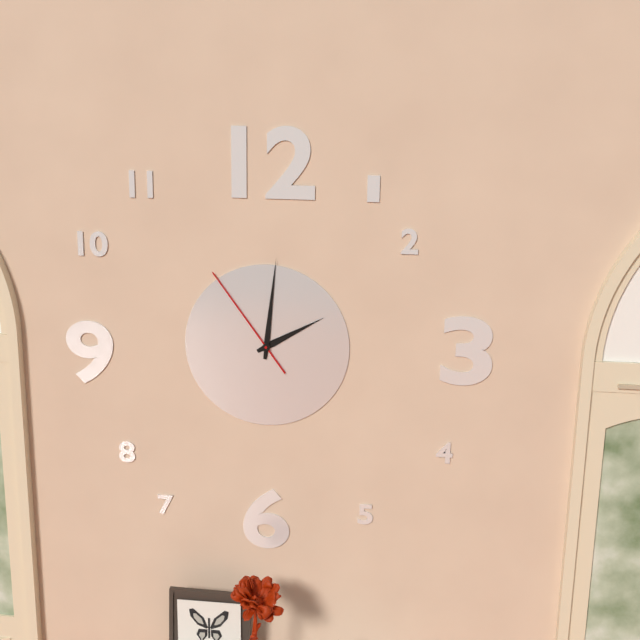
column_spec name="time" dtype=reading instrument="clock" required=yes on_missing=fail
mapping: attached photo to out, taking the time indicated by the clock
2:01:54
